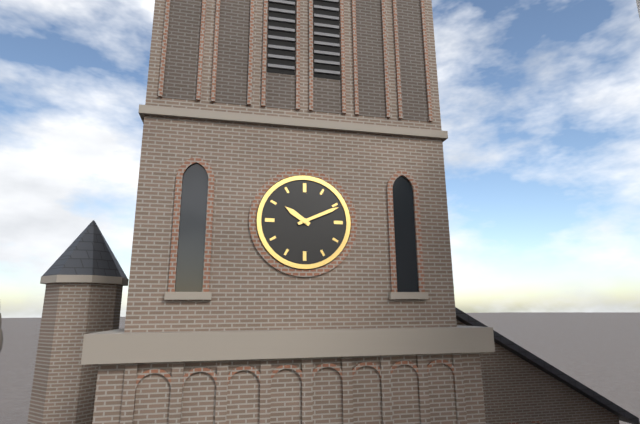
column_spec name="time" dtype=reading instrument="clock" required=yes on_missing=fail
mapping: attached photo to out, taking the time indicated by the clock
10:11
